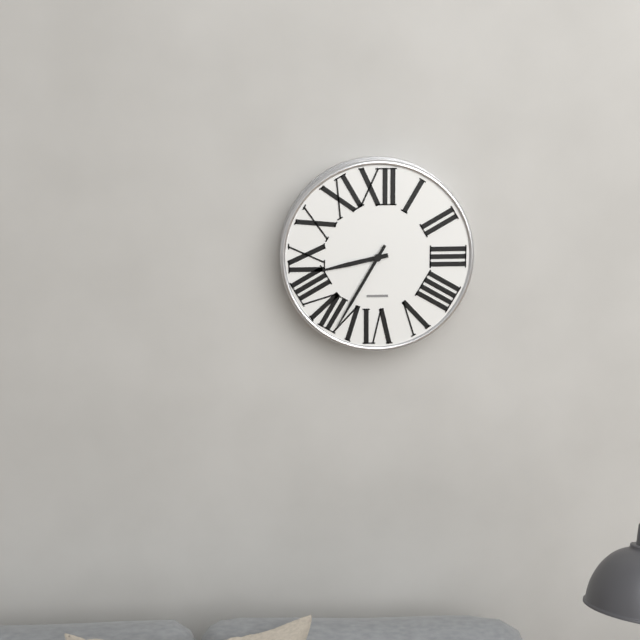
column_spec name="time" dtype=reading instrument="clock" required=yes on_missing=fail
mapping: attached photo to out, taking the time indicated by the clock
8:35
